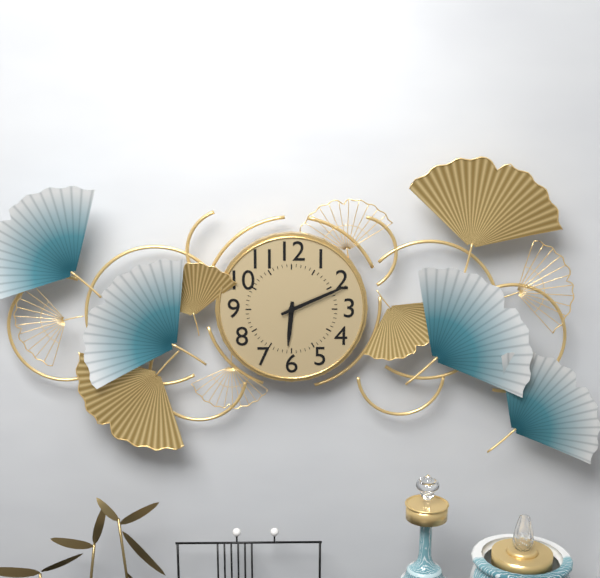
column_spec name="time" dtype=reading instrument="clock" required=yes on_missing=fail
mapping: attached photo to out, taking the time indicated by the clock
6:11
